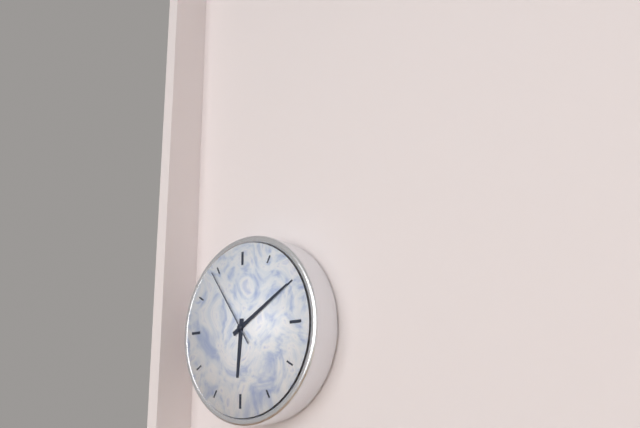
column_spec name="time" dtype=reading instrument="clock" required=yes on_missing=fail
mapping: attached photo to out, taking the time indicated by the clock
6:10:54
